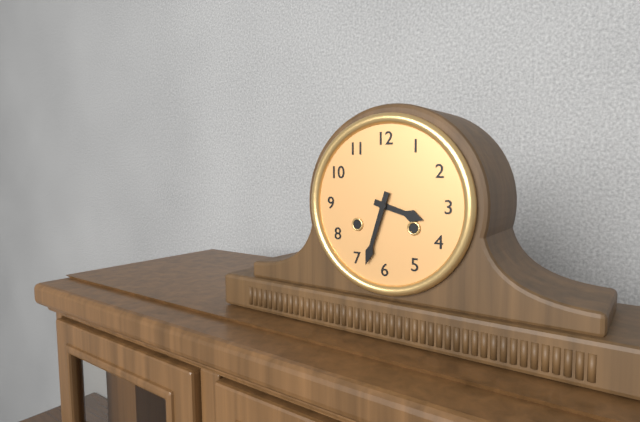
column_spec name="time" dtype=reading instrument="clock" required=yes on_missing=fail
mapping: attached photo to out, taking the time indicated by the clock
3:33
